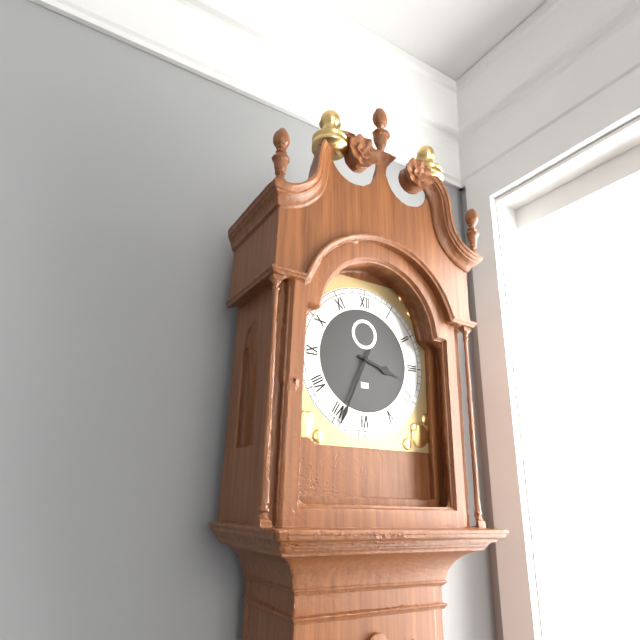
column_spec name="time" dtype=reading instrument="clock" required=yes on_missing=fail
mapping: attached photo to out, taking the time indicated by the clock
3:34
